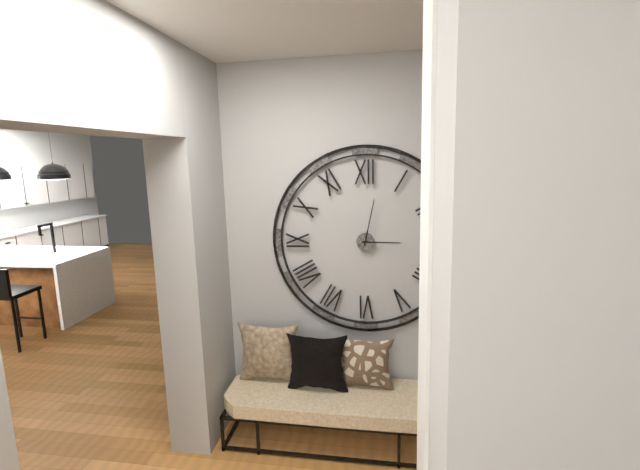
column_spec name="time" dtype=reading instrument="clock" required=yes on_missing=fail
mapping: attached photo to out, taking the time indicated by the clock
3:02
